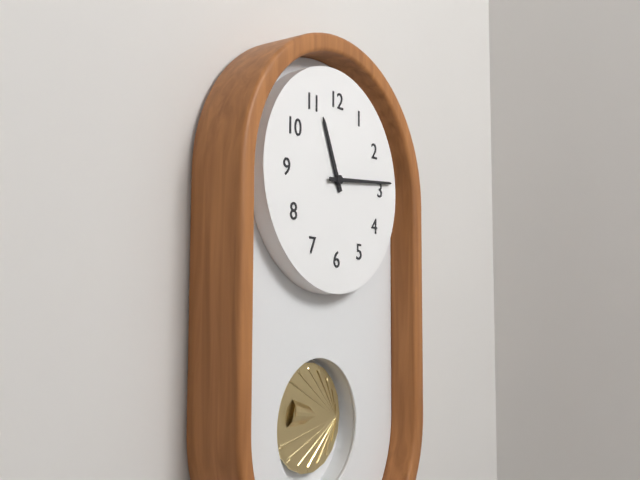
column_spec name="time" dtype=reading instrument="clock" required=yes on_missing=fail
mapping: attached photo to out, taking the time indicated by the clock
11:14
